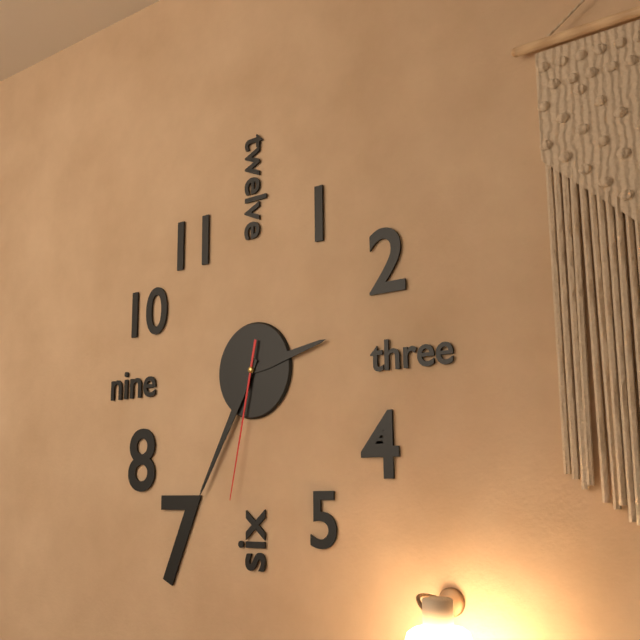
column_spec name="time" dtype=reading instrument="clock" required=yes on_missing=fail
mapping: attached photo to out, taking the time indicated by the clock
2:35:32
